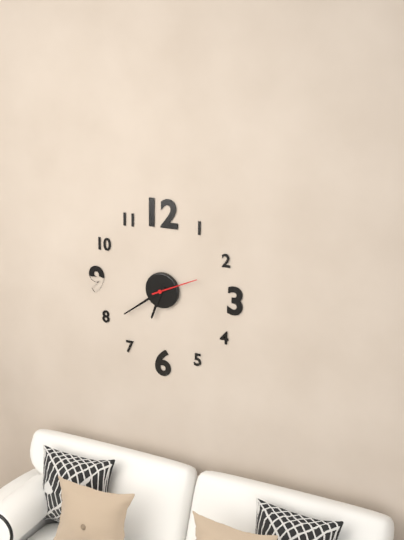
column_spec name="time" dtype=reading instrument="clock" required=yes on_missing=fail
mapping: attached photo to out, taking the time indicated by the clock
6:39
